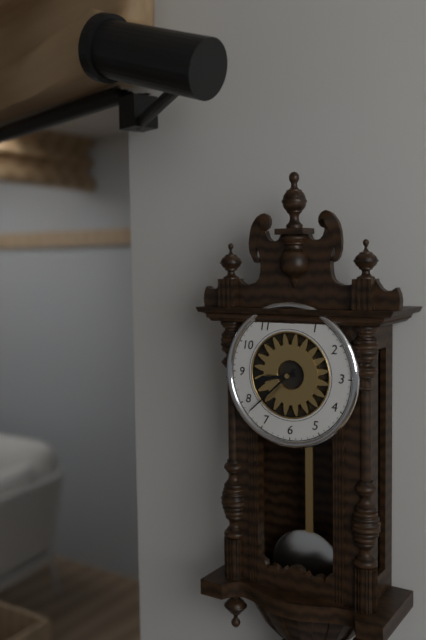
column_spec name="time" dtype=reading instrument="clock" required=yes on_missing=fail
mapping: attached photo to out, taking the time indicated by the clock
8:38
